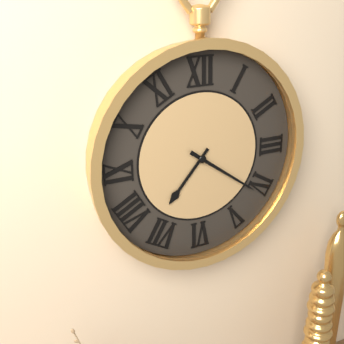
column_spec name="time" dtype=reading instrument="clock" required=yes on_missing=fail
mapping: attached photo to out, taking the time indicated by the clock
7:21
